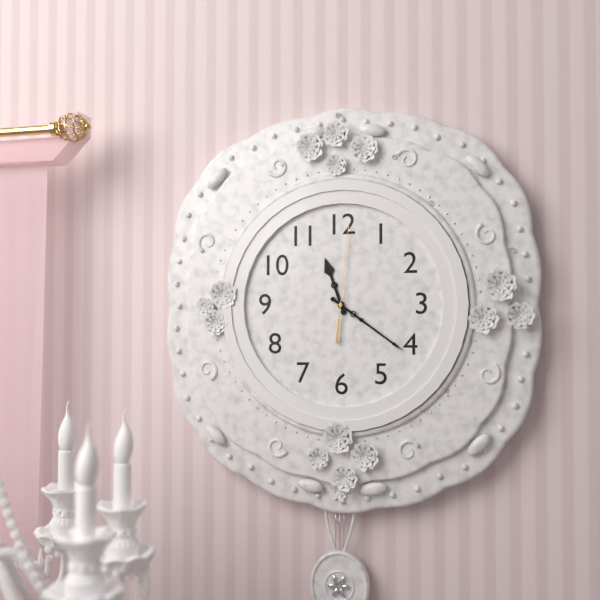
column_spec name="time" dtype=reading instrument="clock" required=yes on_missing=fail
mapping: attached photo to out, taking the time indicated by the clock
11:21:01
